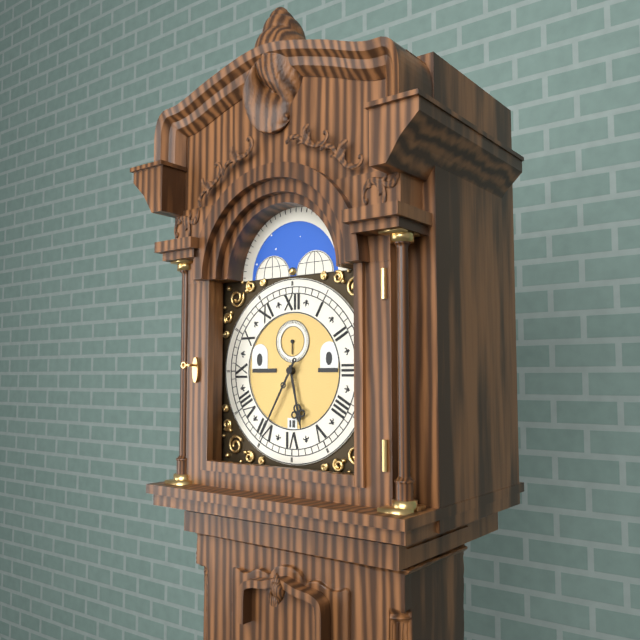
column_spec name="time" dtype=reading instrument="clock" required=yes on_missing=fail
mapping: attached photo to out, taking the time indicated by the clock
5:35
